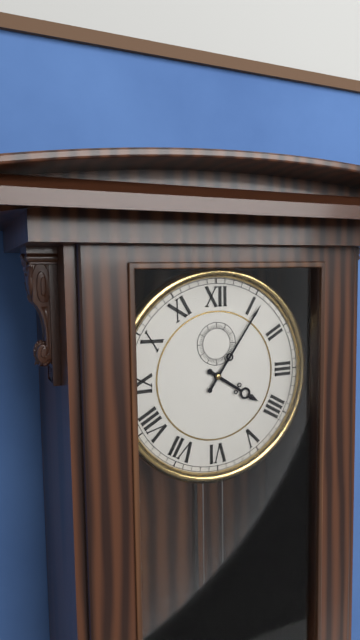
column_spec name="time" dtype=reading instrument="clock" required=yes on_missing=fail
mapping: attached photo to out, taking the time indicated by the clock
4:06
